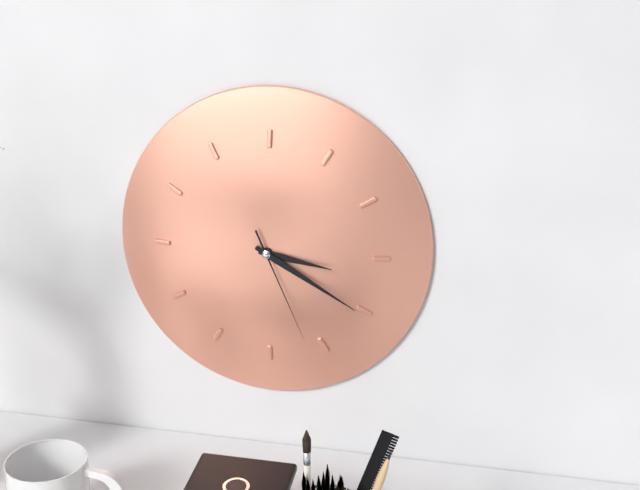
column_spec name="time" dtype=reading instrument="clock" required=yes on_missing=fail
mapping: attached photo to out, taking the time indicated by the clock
3:20:26
